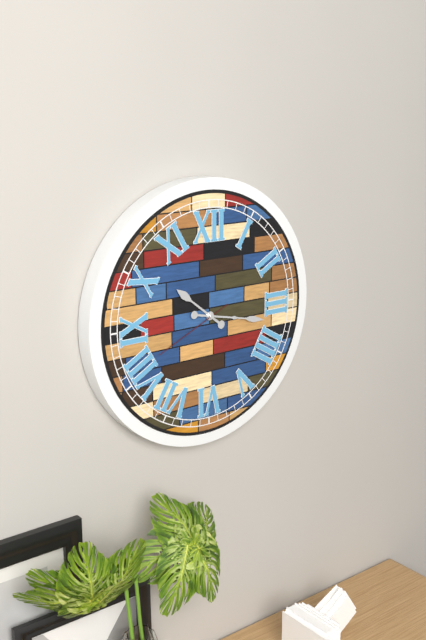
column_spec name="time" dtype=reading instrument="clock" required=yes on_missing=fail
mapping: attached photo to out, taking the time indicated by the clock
10:17:41
